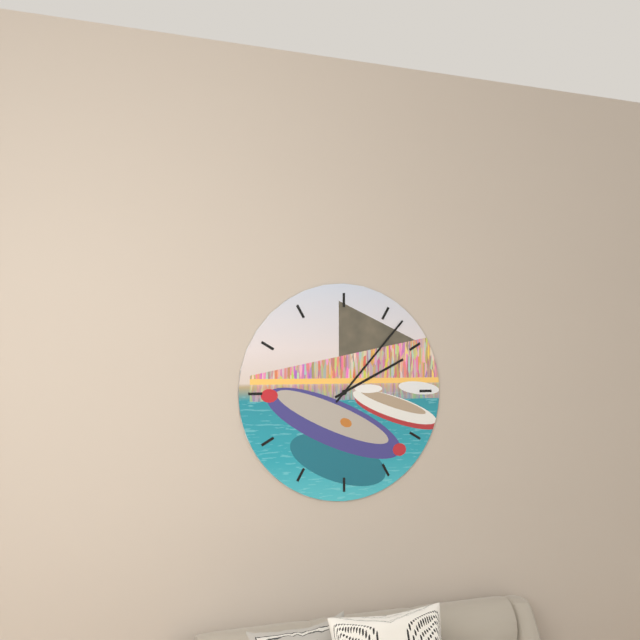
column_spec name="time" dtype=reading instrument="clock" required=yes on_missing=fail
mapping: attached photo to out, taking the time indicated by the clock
2:07
